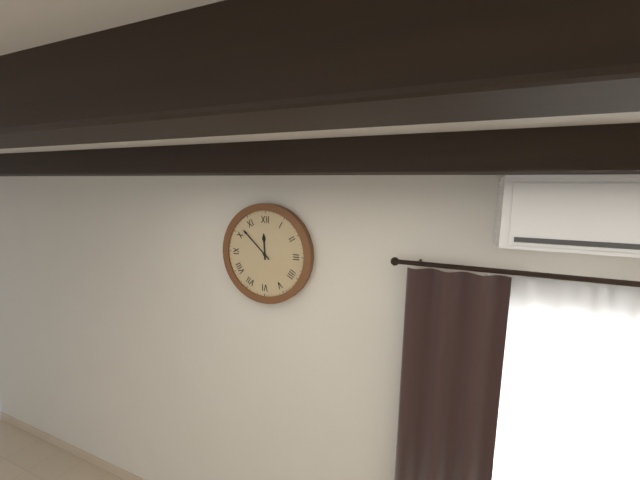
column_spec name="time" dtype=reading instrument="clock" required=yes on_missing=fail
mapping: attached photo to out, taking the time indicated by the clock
11:52
